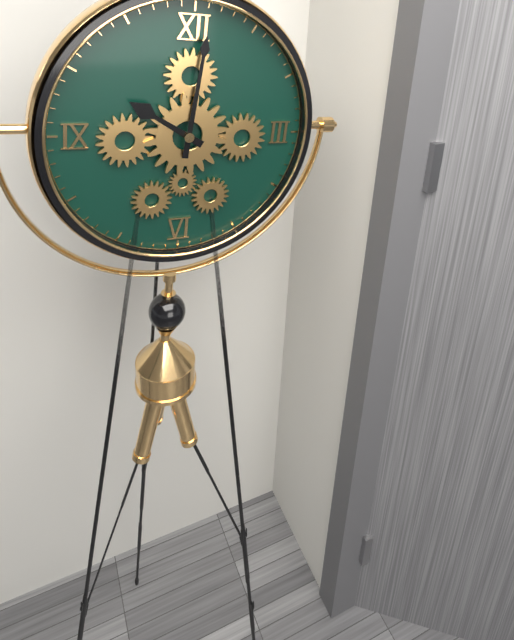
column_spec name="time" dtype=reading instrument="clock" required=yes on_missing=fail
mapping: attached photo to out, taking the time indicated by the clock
10:01
